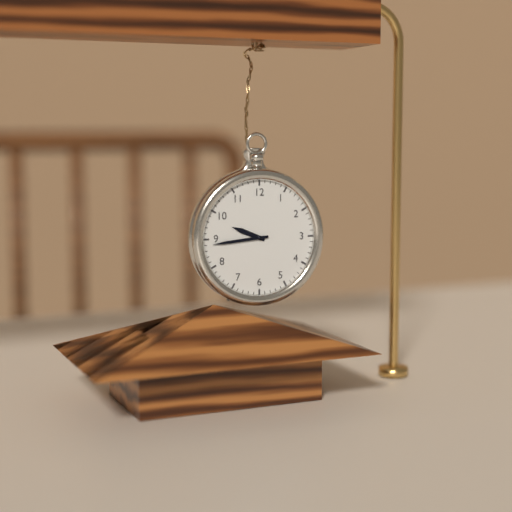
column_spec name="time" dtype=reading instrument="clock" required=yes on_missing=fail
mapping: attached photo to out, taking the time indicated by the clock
9:44
